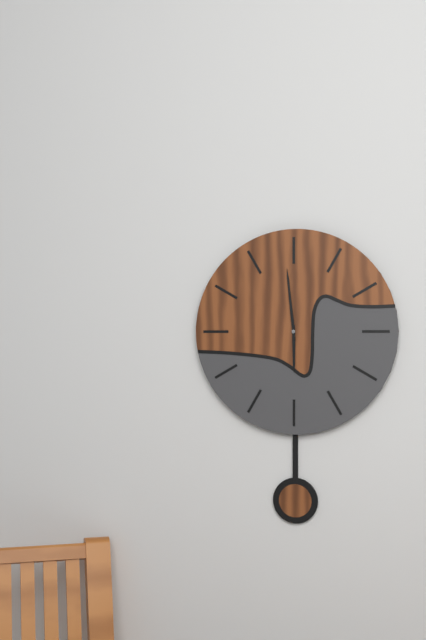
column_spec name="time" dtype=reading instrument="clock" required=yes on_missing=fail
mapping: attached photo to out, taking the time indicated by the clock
5:59
